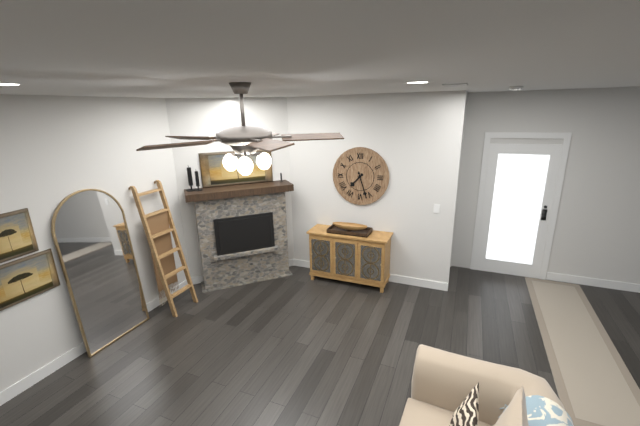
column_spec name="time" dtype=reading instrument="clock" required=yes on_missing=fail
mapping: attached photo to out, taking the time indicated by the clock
7:27
